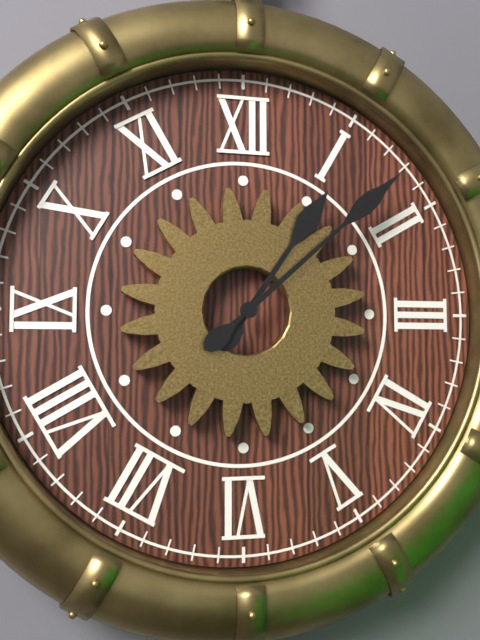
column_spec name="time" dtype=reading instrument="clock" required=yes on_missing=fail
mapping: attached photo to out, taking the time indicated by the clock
1:08
